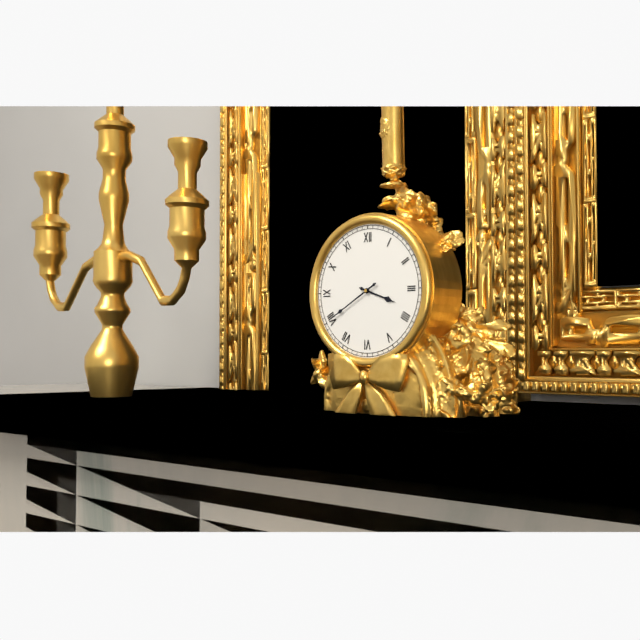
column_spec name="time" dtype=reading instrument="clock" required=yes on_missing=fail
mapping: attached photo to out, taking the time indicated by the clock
3:40
